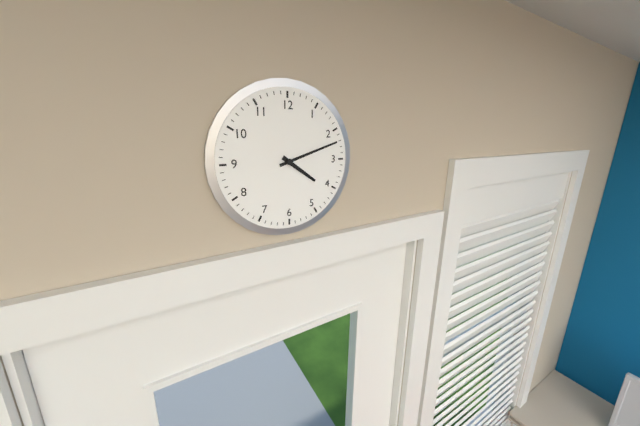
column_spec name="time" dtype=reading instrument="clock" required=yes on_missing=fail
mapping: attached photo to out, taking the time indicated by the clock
4:12
